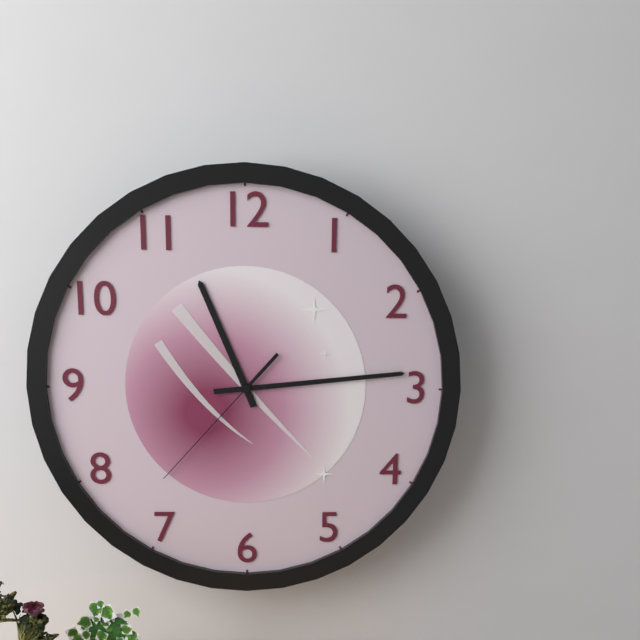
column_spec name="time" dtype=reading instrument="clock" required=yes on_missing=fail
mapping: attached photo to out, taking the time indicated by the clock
11:14:37
